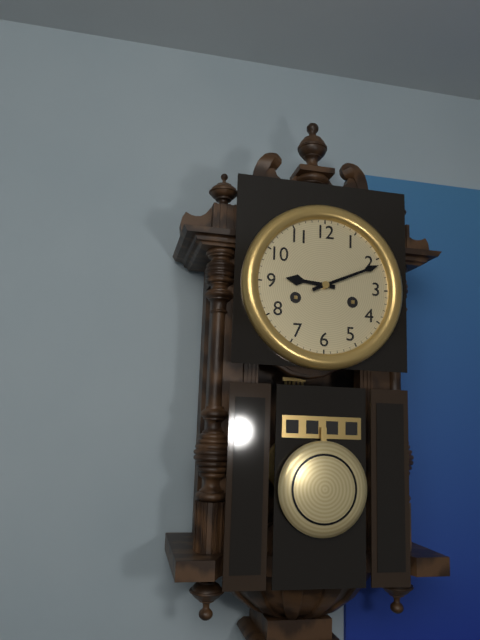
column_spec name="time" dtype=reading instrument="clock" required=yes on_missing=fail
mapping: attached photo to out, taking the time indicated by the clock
9:11
